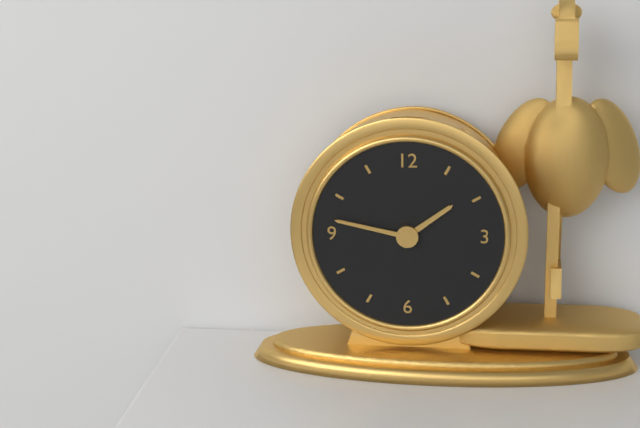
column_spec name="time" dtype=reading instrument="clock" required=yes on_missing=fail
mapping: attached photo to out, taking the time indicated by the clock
1:47
